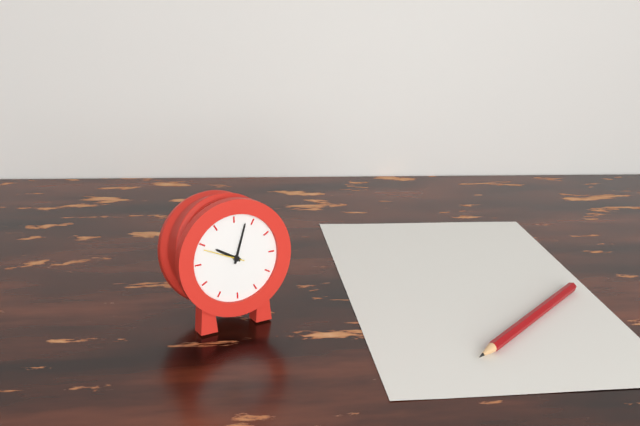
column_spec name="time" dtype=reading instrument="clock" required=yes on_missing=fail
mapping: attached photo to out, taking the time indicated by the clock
10:03
